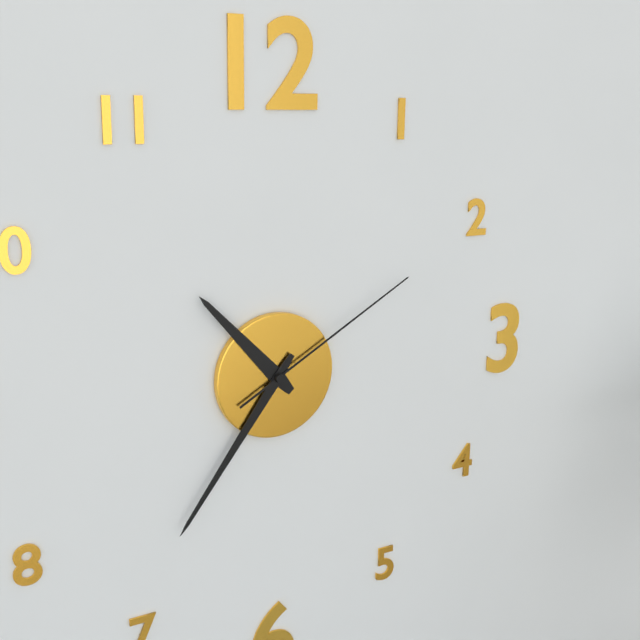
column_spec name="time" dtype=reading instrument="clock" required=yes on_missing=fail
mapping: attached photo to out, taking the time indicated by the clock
10:36:10
